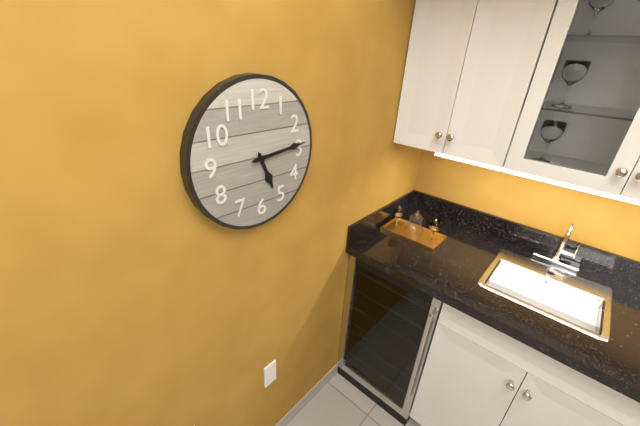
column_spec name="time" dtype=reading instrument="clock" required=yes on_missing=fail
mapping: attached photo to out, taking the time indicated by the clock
5:14
